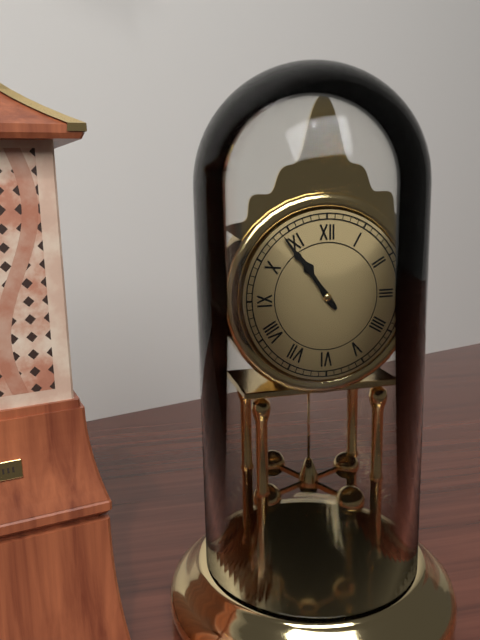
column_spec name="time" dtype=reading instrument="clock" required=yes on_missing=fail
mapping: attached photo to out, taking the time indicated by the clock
10:54
